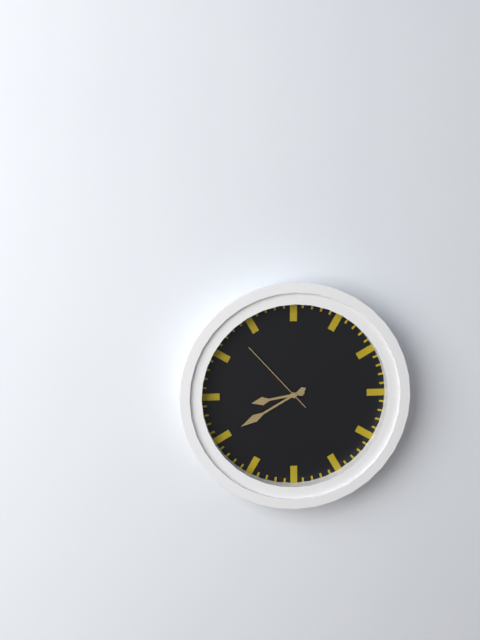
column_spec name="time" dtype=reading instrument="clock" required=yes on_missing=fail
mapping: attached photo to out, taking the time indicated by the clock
8:40:53
